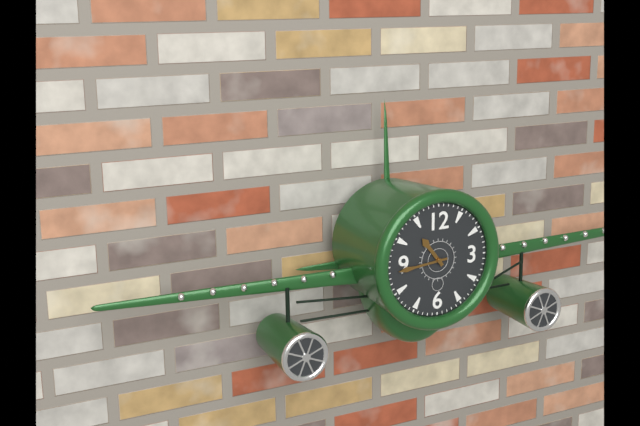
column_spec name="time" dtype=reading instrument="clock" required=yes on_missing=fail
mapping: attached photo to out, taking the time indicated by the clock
10:44
